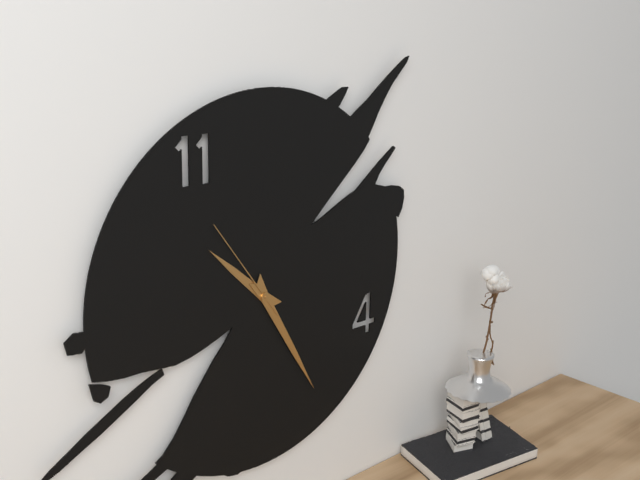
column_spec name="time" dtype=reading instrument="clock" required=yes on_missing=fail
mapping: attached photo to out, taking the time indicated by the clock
10:25:54
